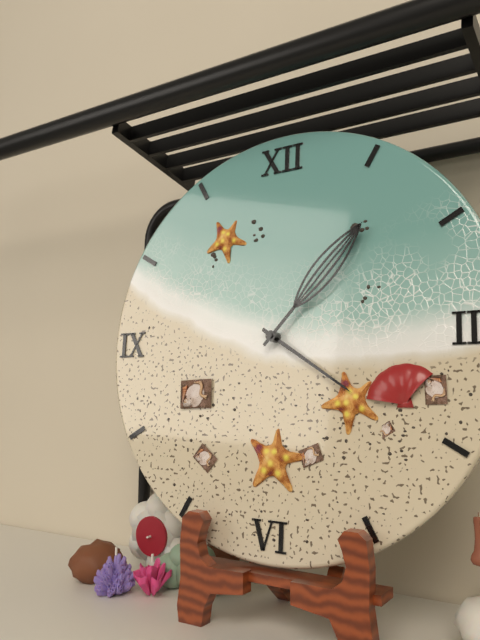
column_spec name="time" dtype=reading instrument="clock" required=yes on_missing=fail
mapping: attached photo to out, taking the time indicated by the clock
4:07
